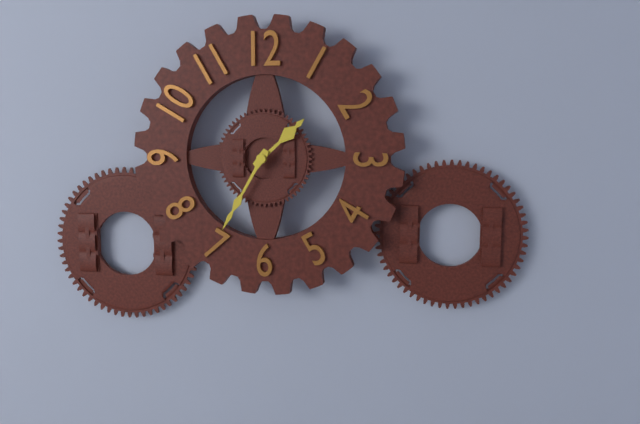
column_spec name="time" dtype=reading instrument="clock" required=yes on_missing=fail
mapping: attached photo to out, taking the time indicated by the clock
1:35
